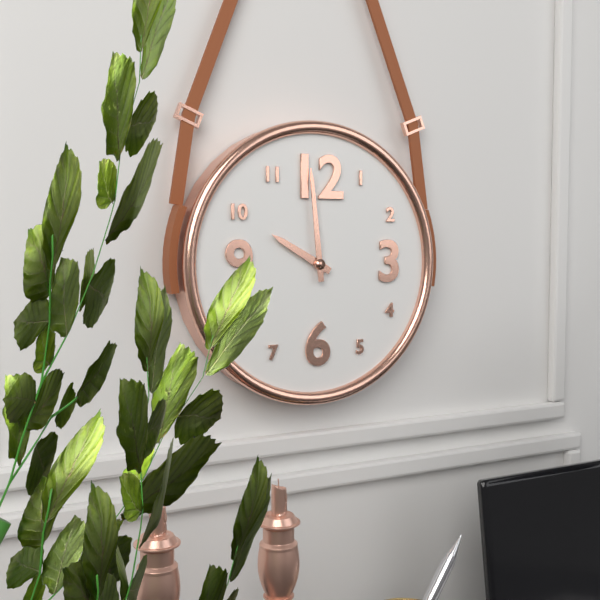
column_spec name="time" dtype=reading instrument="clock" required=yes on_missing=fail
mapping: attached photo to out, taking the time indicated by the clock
9:59
